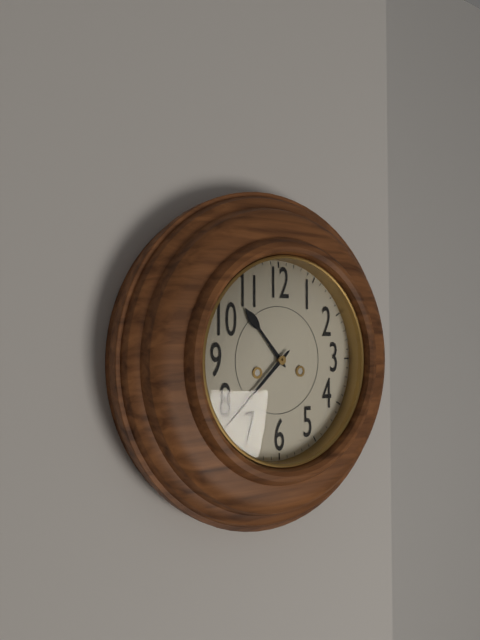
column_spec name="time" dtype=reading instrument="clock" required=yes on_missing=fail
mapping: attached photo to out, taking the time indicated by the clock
10:38
